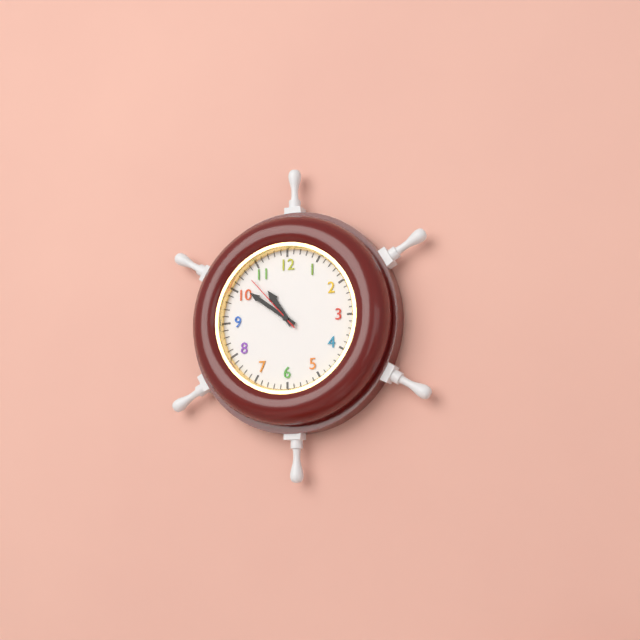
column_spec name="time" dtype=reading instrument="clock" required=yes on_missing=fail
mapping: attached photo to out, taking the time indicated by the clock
10:51:53
